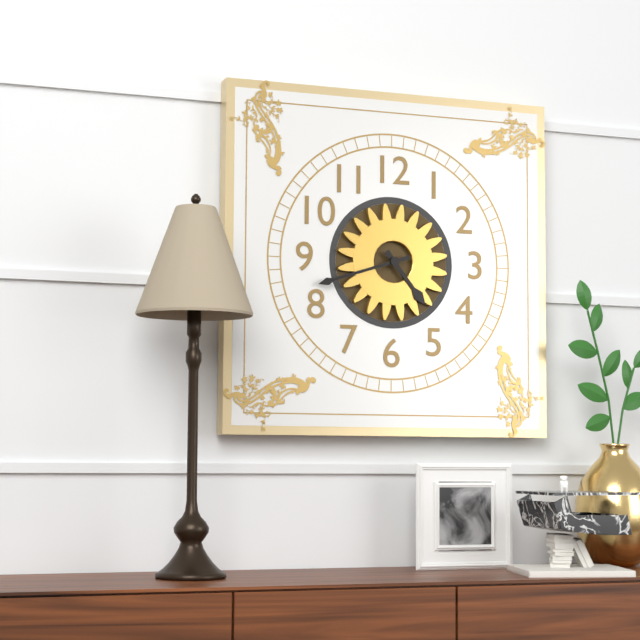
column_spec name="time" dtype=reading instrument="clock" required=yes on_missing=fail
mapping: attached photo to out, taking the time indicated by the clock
4:42
